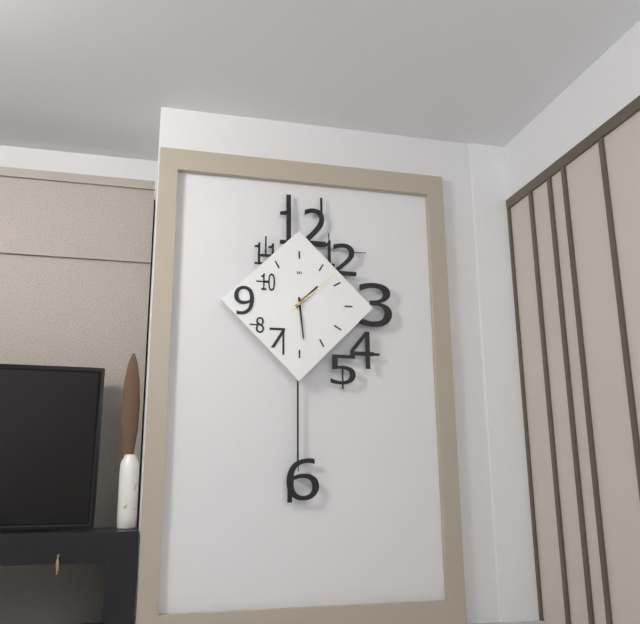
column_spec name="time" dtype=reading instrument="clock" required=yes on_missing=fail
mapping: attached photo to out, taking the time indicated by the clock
1:29:08
